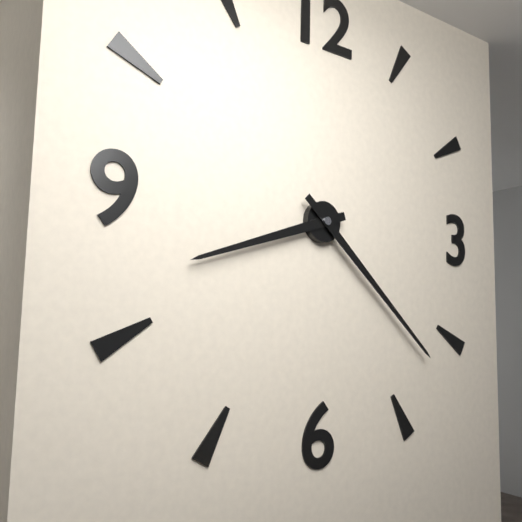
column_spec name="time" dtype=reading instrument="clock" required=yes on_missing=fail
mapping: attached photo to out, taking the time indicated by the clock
8:22
